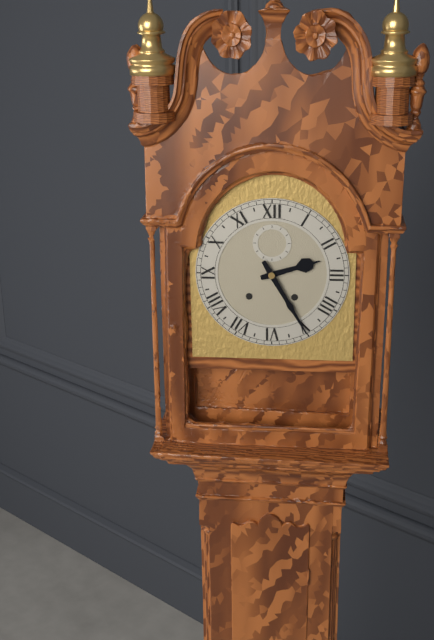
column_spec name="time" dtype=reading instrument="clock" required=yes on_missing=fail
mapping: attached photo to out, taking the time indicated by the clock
2:25
